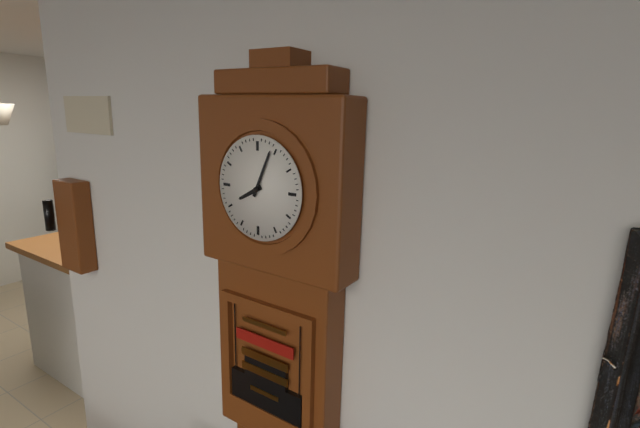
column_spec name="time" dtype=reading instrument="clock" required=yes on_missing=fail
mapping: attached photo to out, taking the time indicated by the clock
8:04
